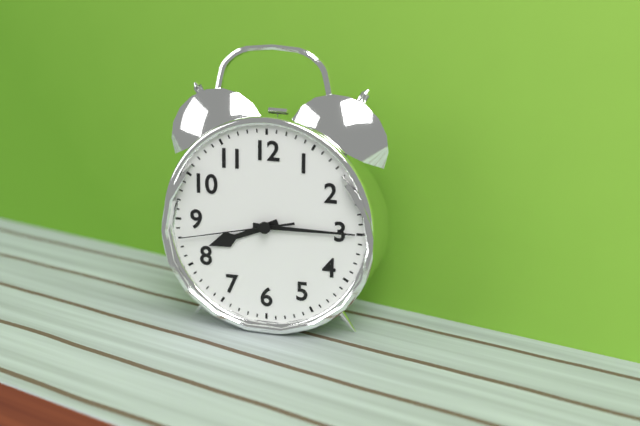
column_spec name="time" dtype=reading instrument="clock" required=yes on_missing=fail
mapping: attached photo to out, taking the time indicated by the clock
8:15:43
